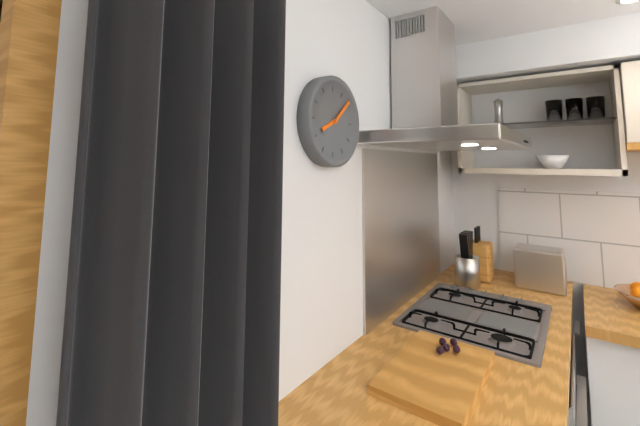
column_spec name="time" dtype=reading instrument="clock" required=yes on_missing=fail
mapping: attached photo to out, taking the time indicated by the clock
8:08
